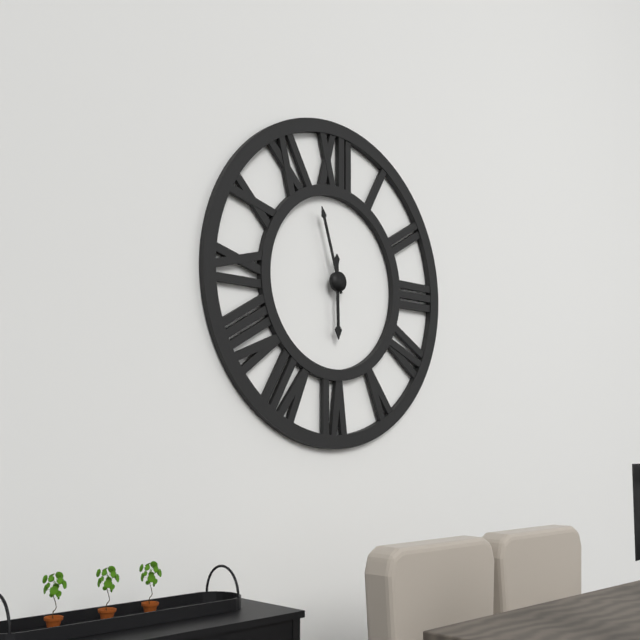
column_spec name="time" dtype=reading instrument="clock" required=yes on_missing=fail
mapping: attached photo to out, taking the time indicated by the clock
5:57
